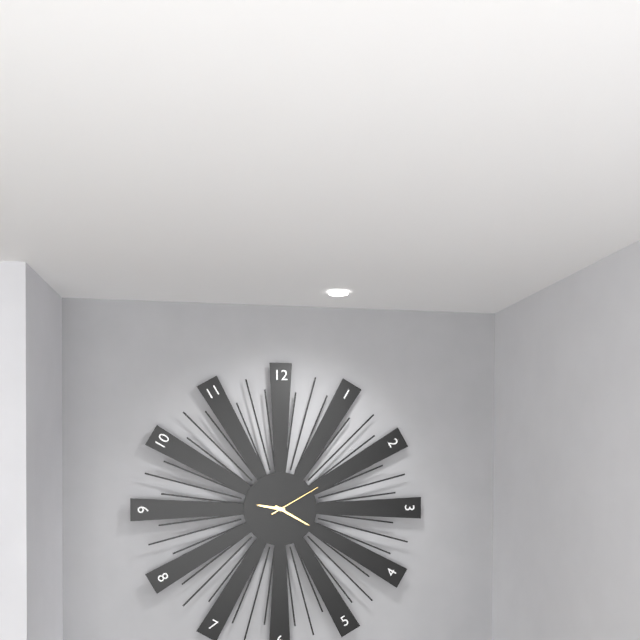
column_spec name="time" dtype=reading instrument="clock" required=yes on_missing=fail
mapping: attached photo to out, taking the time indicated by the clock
9:20:10
